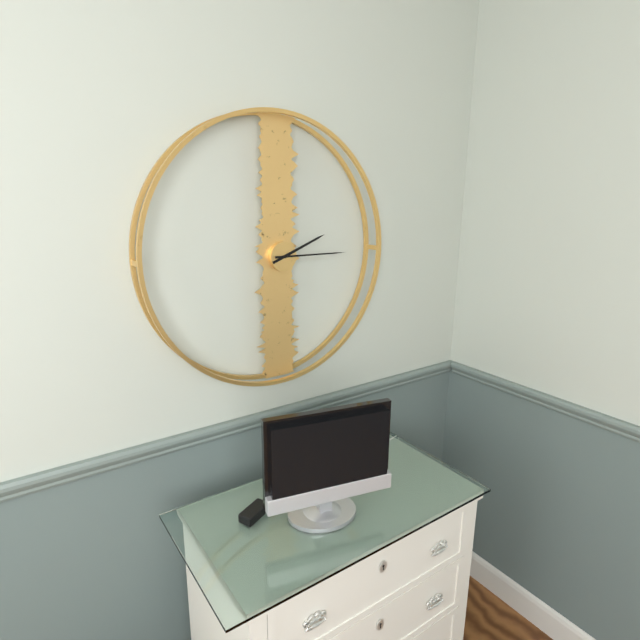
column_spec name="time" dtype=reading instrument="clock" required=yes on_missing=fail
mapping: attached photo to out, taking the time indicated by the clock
2:15
